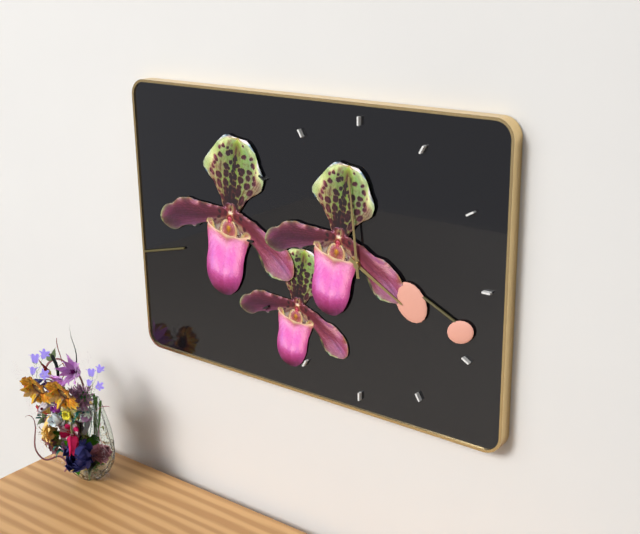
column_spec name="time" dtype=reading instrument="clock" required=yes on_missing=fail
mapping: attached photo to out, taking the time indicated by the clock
3:59
